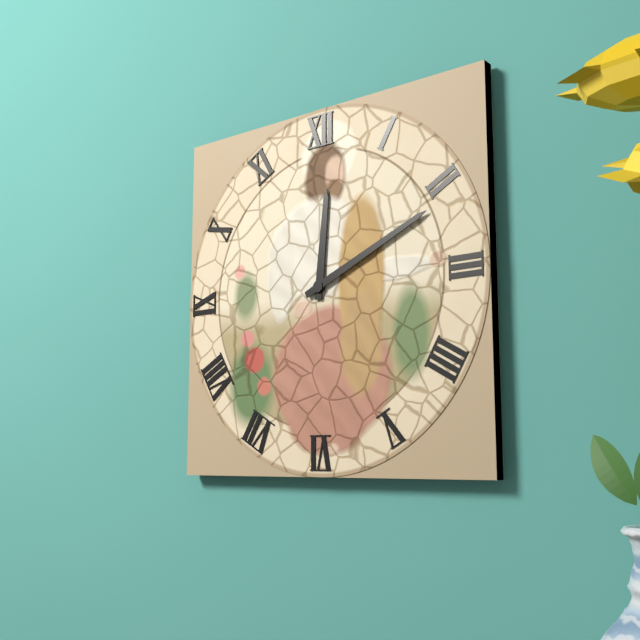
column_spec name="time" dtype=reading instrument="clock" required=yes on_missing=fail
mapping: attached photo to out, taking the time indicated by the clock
12:11
